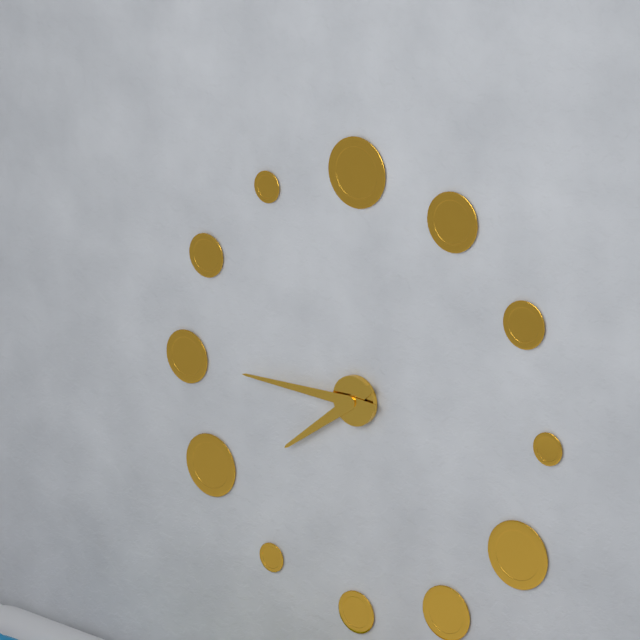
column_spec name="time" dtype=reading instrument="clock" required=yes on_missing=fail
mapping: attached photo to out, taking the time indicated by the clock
7:45
